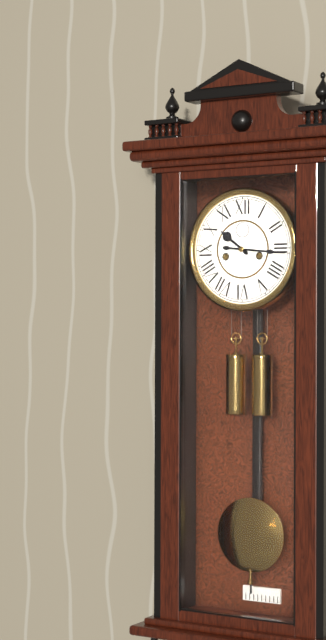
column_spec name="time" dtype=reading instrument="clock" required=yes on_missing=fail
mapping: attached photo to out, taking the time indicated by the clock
10:16
